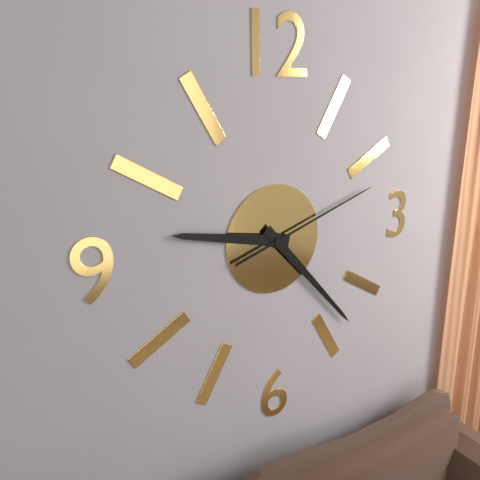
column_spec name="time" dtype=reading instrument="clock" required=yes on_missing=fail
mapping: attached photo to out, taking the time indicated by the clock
9:23:12
